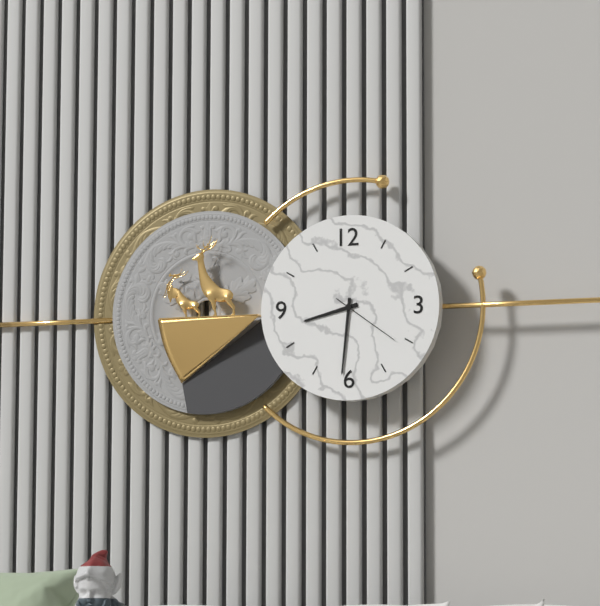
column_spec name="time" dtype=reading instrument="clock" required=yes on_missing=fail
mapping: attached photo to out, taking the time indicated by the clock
8:31:21
